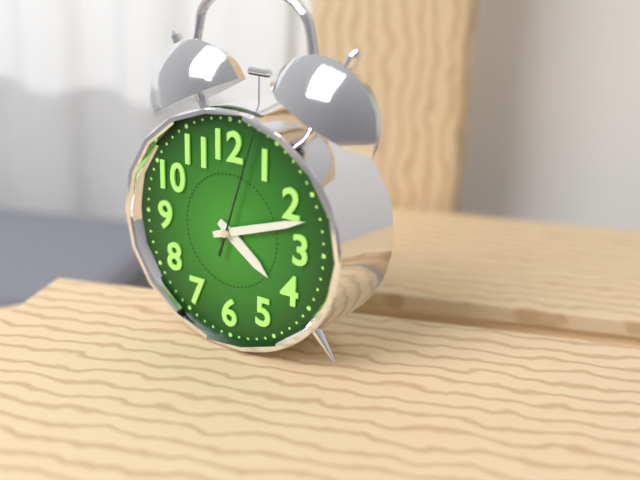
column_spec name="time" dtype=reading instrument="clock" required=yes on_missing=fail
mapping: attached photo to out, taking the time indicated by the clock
4:12:03
